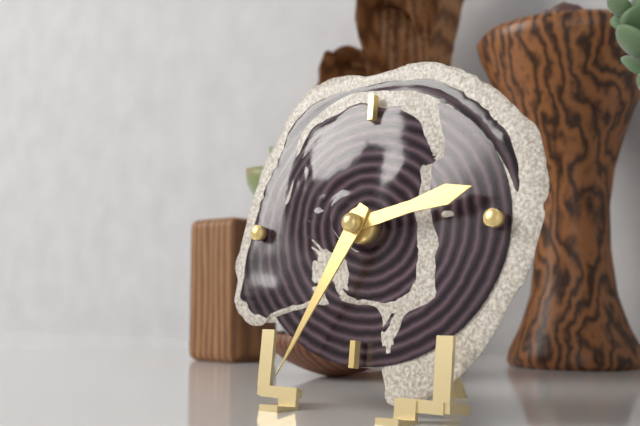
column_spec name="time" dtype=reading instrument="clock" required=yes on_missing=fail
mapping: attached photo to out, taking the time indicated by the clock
2:35
